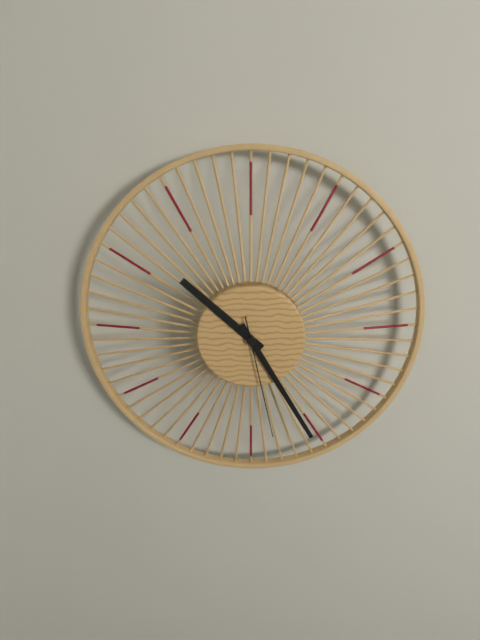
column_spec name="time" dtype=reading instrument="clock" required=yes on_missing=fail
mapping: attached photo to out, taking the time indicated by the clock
10:25:28
